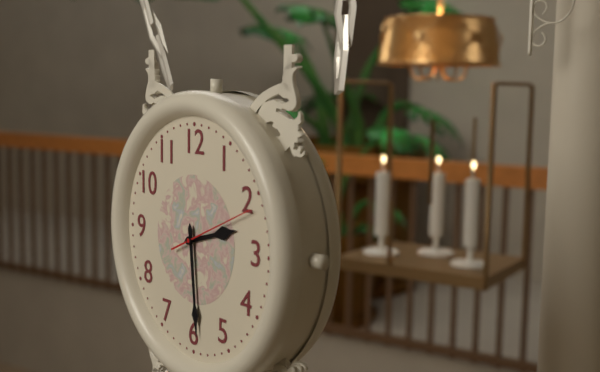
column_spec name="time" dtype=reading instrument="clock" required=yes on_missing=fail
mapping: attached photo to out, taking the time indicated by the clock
2:29:11
